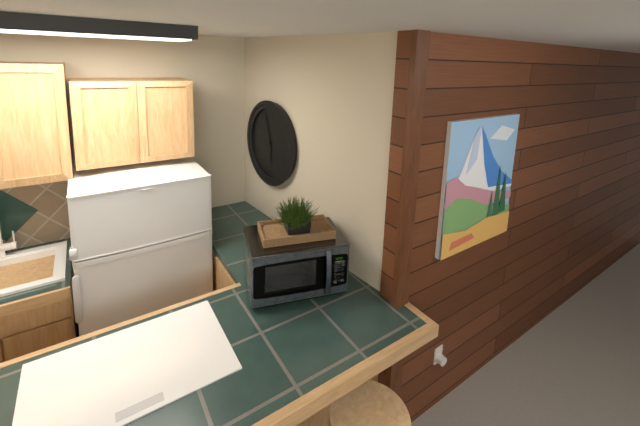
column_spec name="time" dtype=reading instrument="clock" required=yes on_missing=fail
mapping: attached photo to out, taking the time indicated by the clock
5:57
